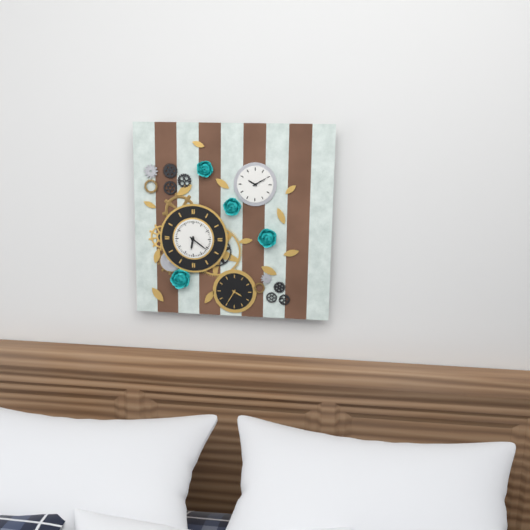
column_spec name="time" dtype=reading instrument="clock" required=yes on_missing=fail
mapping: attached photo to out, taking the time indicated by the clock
6:21
